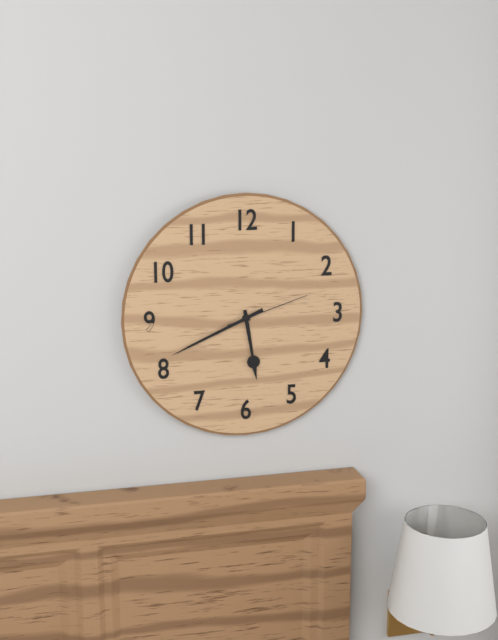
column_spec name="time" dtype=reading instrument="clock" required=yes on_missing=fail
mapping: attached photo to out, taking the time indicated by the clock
5:41:12
